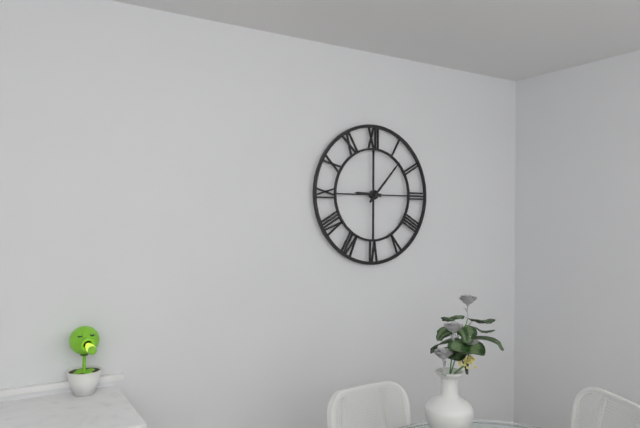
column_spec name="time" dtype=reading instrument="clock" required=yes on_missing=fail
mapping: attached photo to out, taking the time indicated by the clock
9:07
